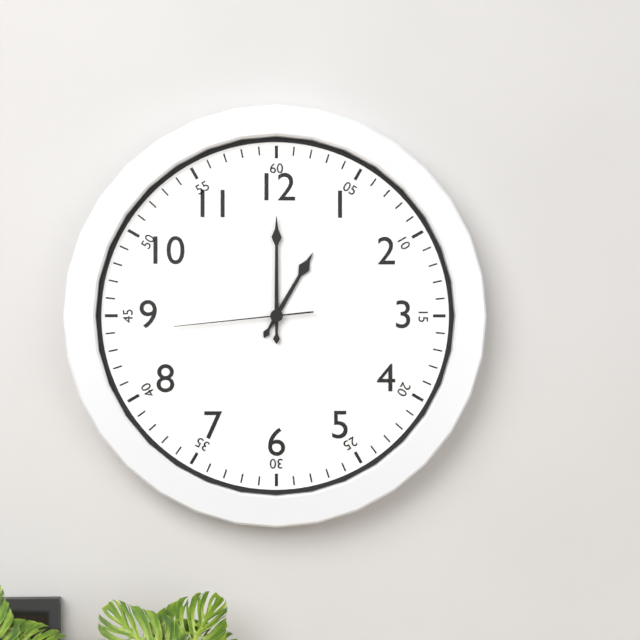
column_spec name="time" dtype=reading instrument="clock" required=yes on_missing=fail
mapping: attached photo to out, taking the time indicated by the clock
1:00:44
